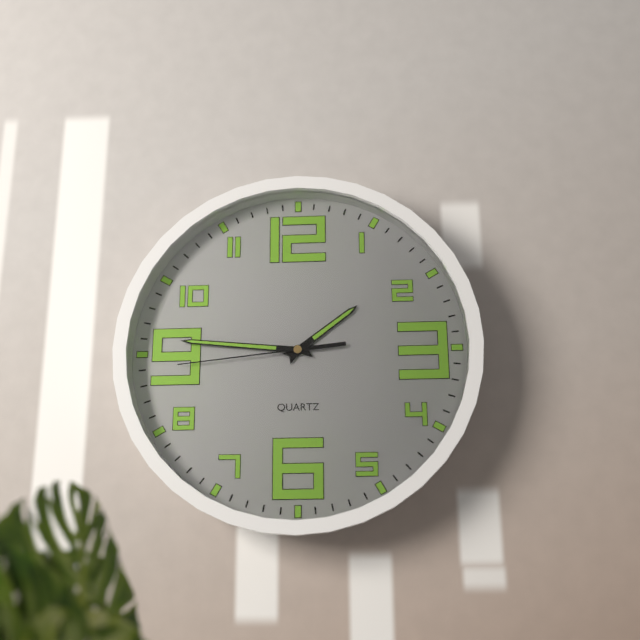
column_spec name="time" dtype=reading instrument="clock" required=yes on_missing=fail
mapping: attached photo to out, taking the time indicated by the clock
1:46:44
